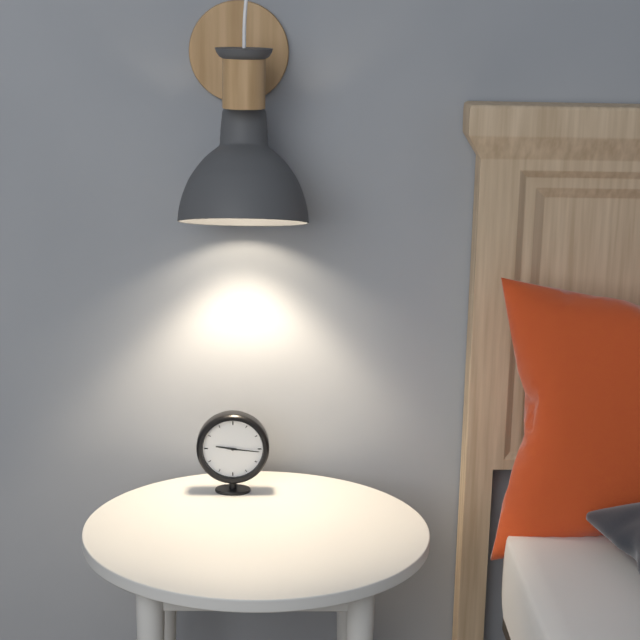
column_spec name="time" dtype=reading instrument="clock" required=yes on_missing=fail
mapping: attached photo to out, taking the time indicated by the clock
9:16
